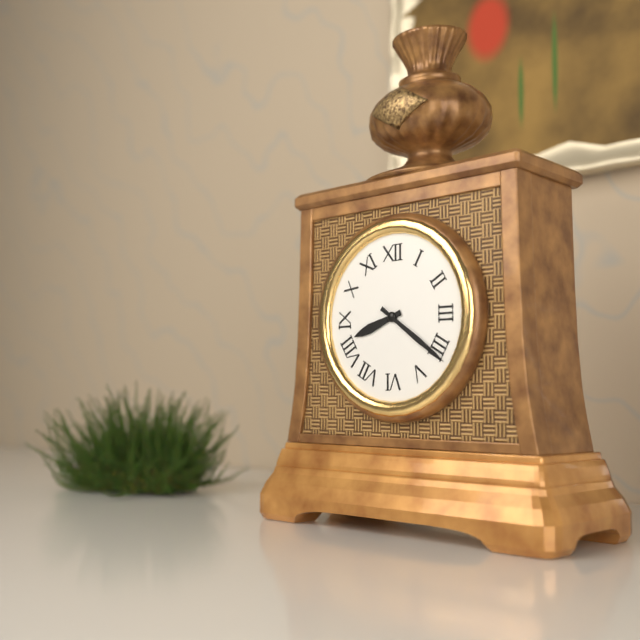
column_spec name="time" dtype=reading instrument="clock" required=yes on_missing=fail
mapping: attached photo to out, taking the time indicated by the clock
8:21
